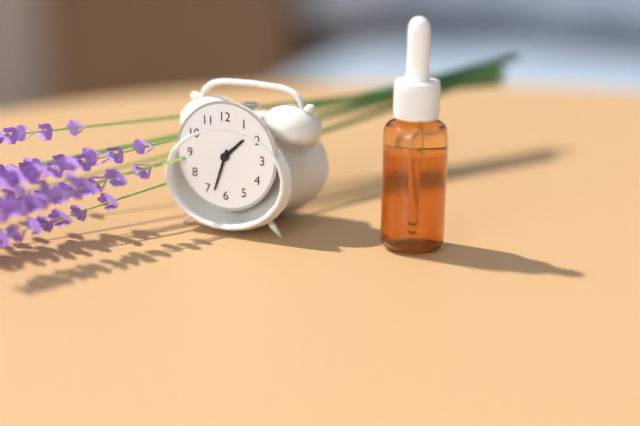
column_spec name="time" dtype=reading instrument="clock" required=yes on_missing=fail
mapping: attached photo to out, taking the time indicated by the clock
1:33
